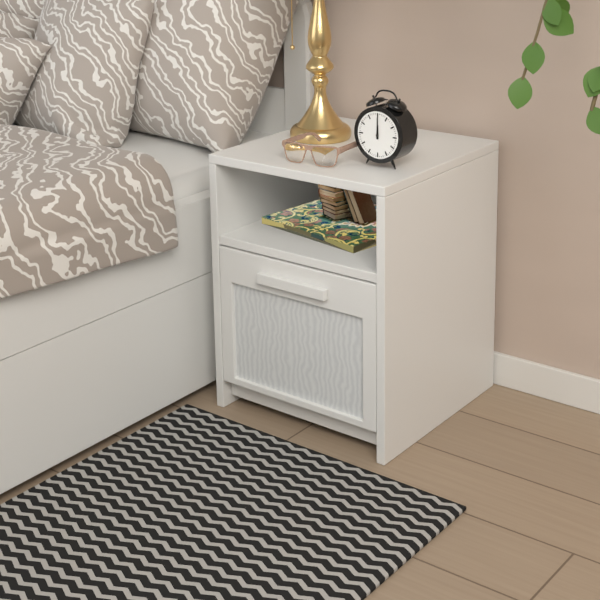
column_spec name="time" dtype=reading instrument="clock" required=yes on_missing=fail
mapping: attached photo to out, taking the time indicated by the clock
12:00
